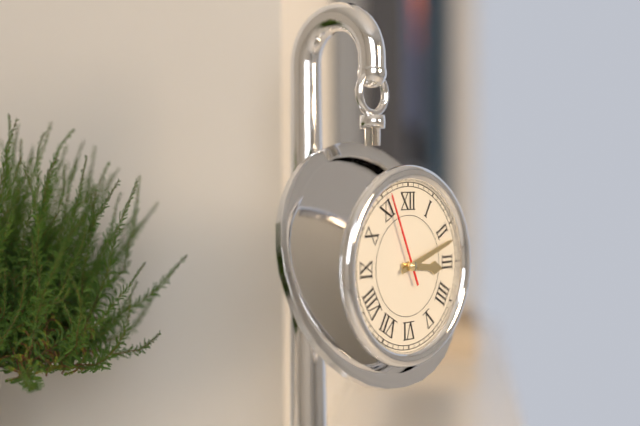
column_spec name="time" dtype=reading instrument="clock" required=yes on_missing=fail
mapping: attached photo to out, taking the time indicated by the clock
3:12:56
